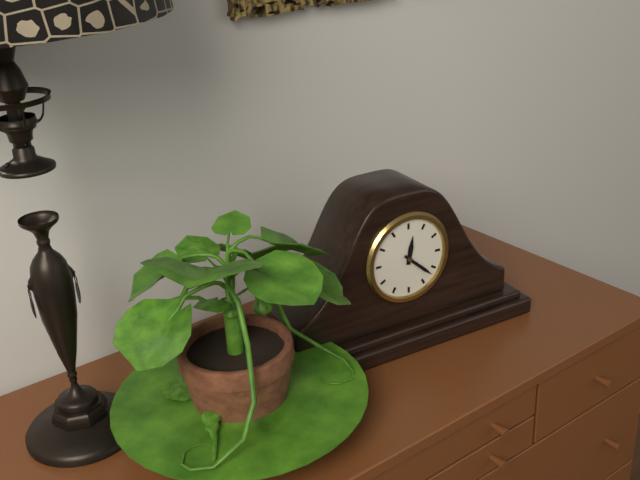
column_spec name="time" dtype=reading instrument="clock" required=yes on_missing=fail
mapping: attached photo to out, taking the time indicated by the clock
12:22
